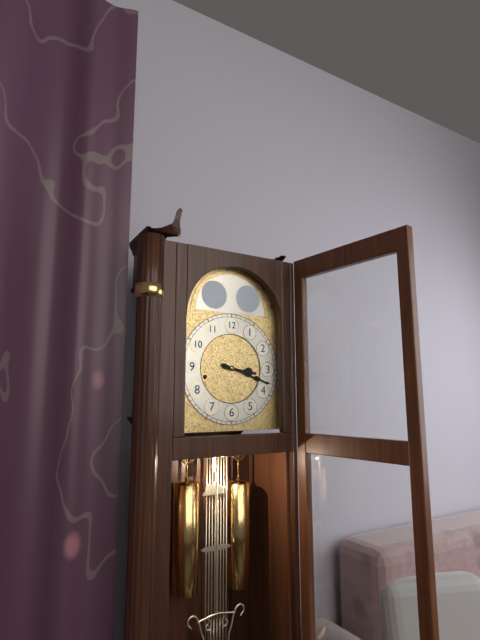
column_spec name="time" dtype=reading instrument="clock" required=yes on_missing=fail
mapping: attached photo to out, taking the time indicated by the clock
3:18
